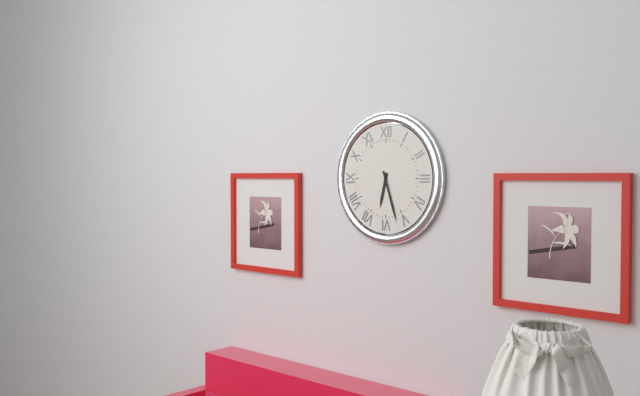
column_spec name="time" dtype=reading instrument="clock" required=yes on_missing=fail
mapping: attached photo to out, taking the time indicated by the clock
6:27
